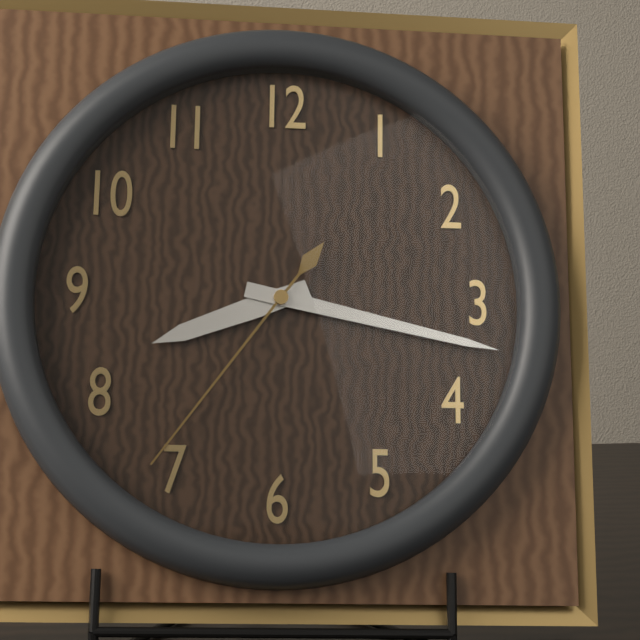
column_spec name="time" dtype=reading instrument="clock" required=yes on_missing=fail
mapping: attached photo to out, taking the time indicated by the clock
8:17:36
